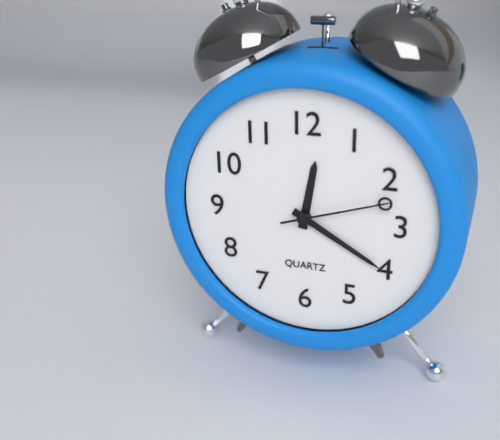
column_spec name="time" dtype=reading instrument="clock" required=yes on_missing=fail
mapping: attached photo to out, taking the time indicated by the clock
12:20:12
